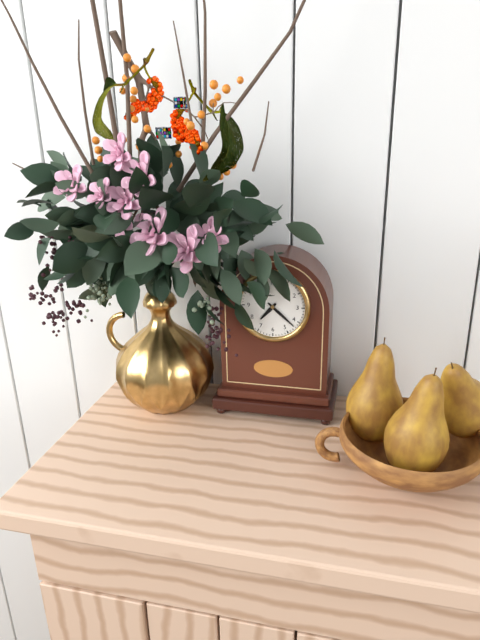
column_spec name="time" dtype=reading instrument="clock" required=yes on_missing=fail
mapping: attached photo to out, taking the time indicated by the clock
7:22
